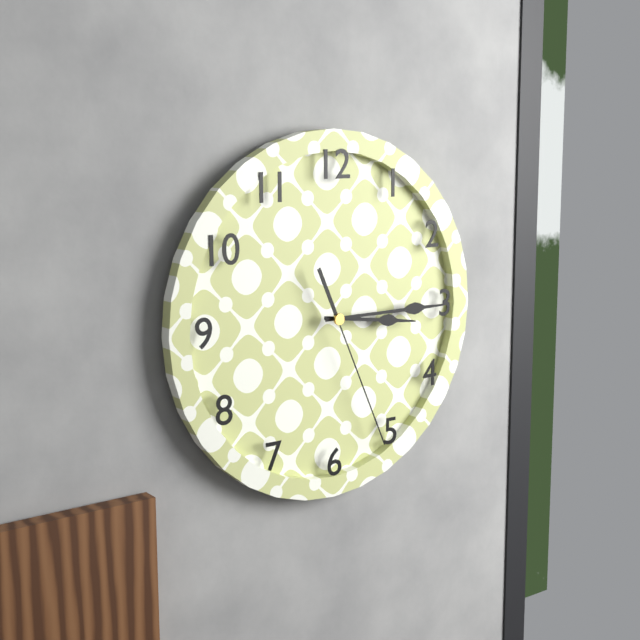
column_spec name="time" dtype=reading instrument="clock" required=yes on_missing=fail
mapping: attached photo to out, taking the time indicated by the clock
3:15:26
